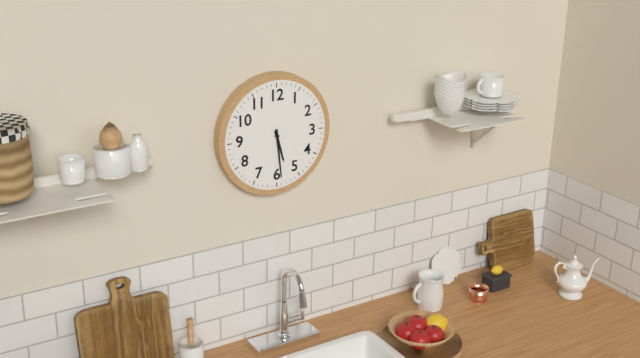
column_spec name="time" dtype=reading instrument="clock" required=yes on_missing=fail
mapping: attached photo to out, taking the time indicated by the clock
5:29
